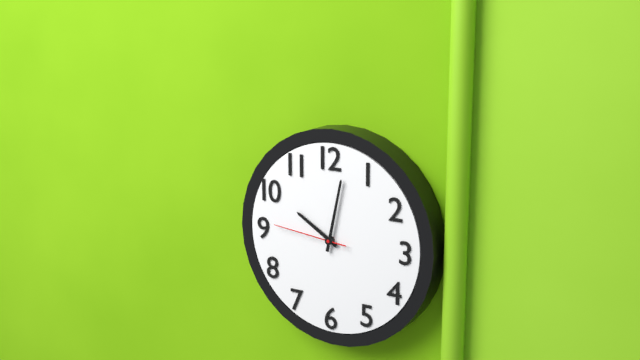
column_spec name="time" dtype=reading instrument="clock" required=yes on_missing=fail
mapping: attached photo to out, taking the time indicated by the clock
10:02:46
